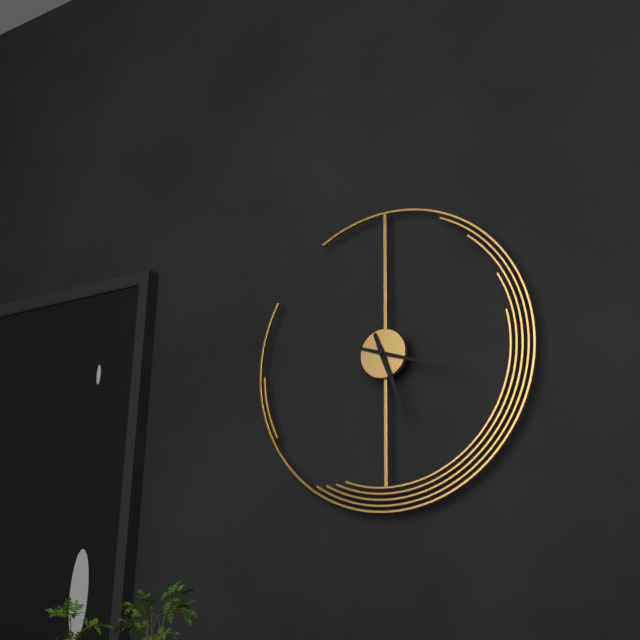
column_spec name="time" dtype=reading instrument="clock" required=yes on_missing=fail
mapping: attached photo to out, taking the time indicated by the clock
5:18
